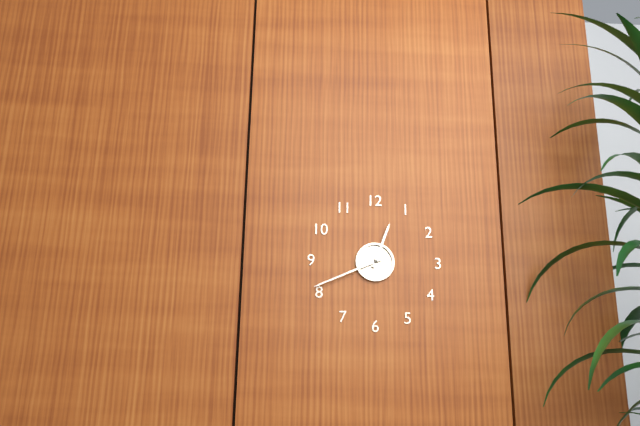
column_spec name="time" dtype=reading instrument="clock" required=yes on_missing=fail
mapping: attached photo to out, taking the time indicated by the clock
12:41
